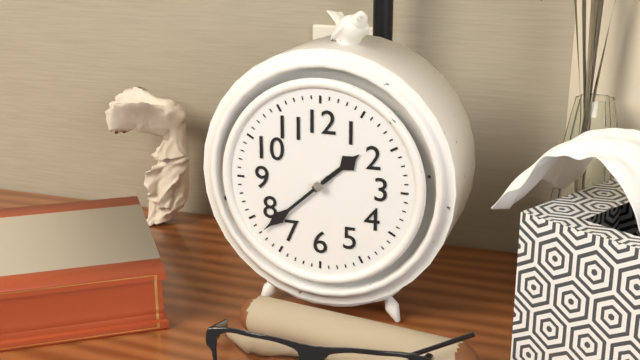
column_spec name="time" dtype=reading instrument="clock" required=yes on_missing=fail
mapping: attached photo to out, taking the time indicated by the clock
1:38
